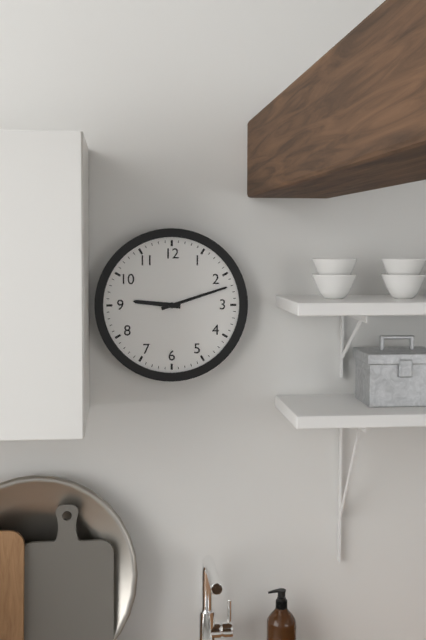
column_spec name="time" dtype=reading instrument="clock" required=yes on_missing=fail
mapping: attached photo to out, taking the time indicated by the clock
9:12
